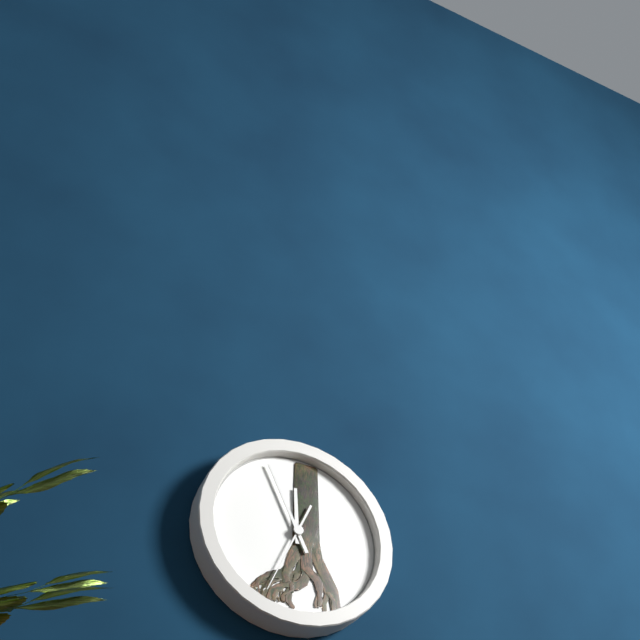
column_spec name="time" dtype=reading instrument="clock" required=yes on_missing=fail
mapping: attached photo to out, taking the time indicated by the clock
11:56:34
